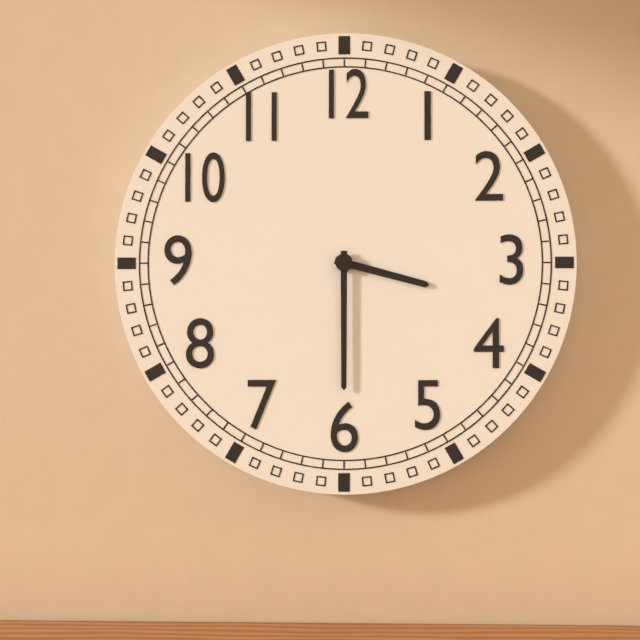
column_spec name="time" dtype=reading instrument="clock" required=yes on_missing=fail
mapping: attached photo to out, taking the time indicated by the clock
3:30
